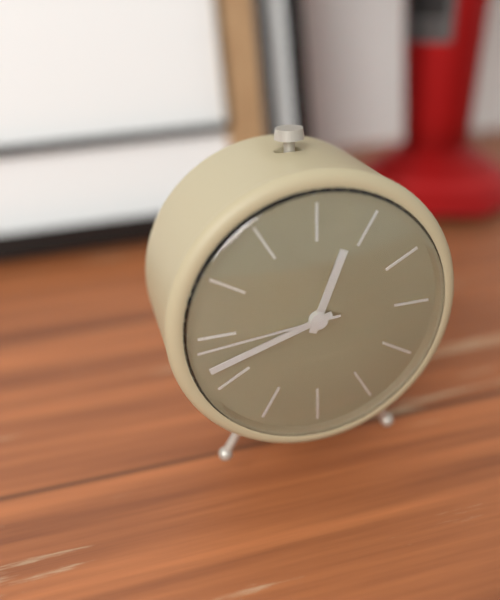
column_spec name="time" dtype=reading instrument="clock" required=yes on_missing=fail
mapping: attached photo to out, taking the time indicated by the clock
12:42:44
